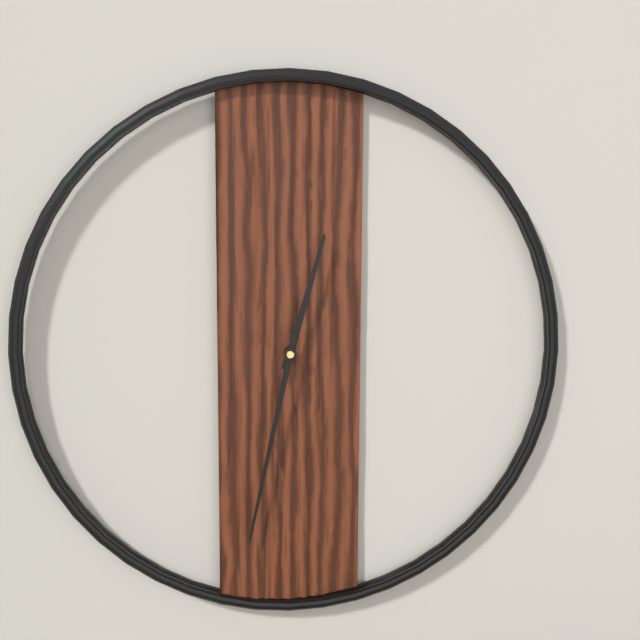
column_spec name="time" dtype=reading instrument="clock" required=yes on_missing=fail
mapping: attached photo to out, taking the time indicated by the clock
12:32
